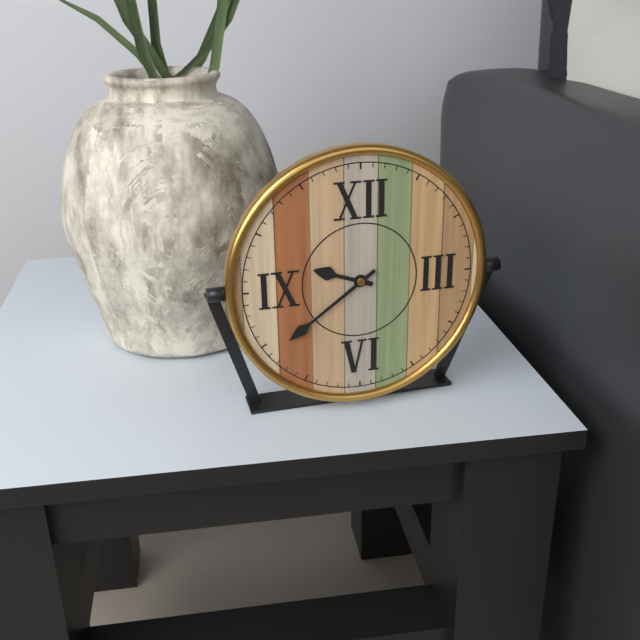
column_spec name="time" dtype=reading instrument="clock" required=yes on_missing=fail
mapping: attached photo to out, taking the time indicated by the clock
9:39
